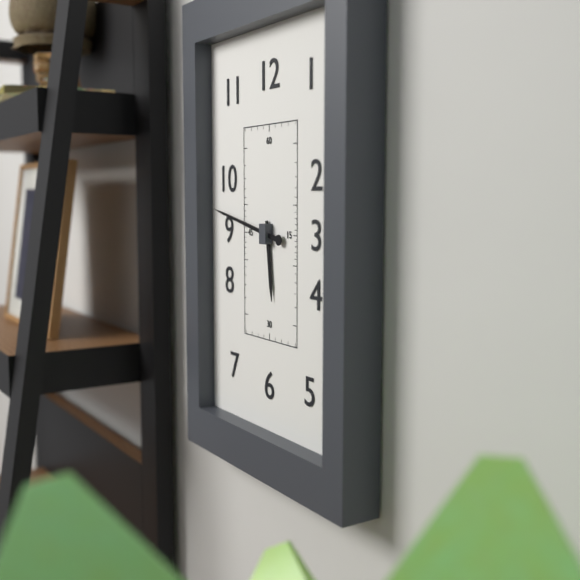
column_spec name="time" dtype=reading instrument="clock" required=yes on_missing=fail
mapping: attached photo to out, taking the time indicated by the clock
5:47
